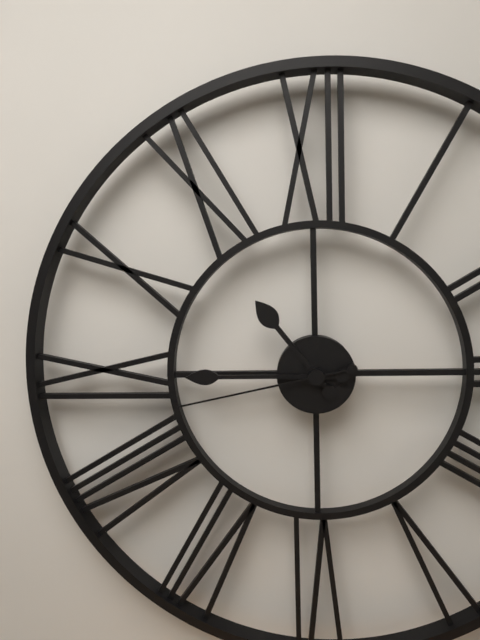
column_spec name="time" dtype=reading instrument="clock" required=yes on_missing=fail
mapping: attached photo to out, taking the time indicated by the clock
10:45:43
